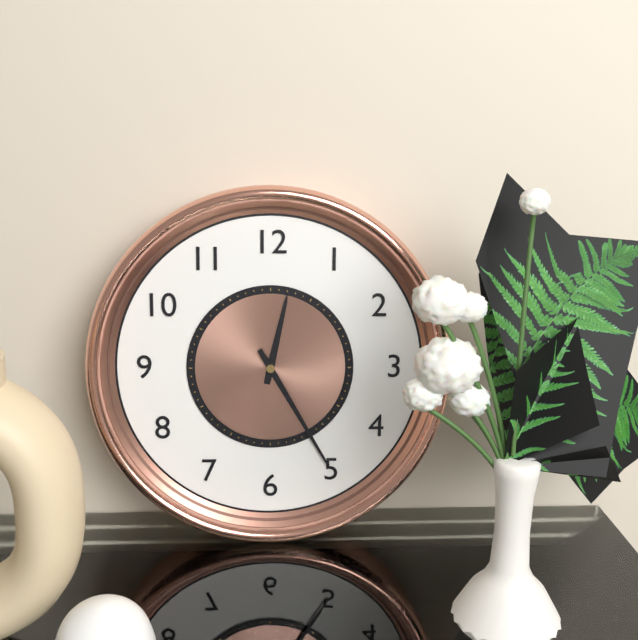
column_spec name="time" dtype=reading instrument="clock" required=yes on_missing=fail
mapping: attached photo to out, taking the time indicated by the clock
12:25
